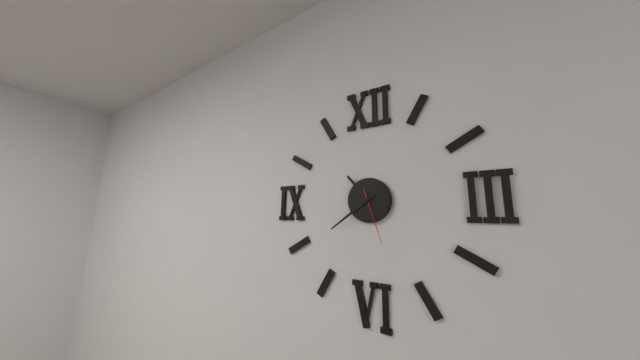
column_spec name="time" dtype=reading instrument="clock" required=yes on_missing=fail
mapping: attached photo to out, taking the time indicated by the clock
10:39:27
